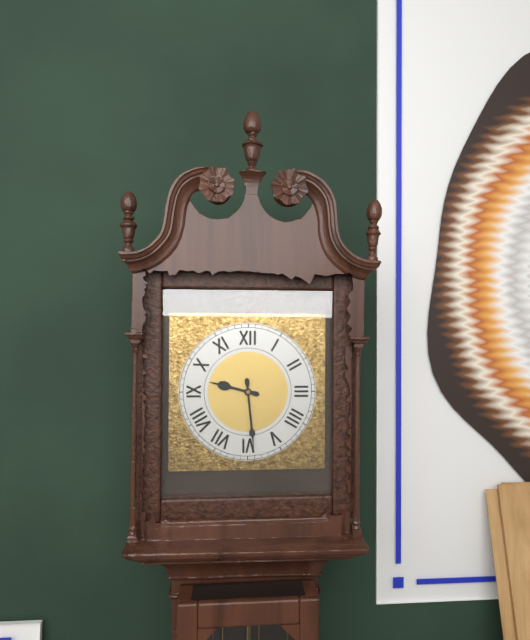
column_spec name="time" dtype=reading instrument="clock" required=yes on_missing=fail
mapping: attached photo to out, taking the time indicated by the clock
9:29
